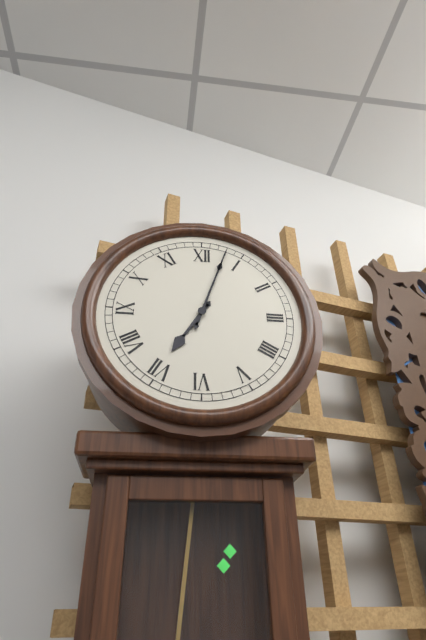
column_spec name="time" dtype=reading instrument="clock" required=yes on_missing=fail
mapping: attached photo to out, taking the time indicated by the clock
7:03
